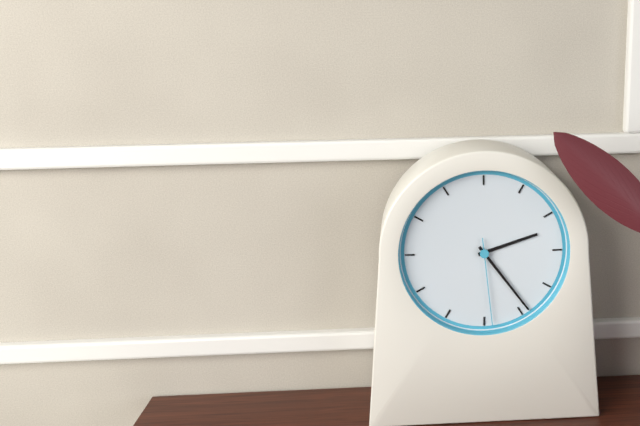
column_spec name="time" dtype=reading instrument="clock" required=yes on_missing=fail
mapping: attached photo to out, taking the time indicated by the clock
2:24:29
